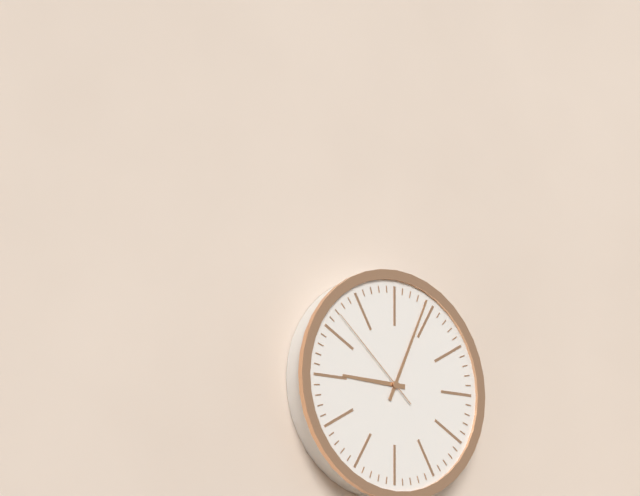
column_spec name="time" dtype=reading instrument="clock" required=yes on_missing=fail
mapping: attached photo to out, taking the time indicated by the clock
9:04:52
